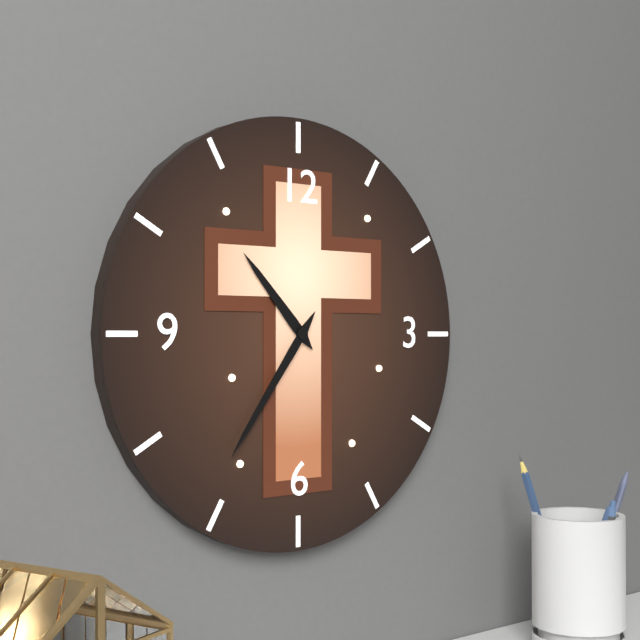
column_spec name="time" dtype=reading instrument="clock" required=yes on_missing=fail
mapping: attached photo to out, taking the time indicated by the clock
10:36
